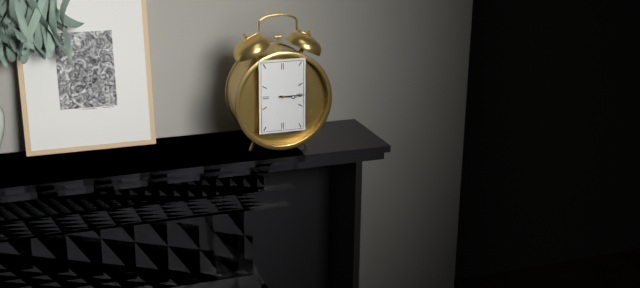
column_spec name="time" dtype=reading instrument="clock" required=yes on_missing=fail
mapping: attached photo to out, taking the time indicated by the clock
3:15
